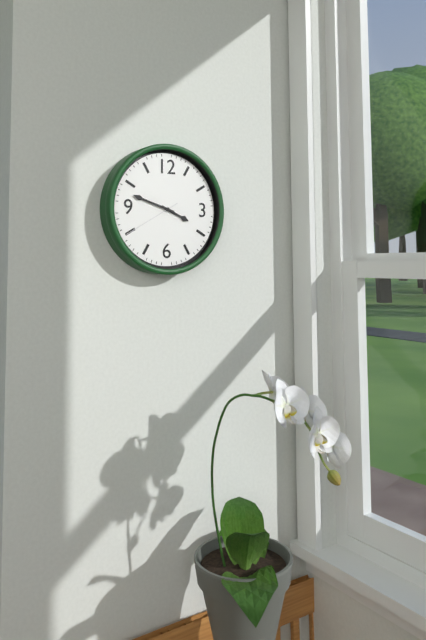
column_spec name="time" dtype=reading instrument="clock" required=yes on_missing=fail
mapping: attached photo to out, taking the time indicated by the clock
3:48:40
